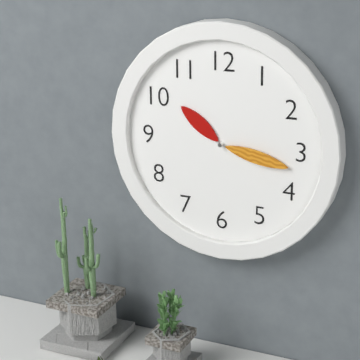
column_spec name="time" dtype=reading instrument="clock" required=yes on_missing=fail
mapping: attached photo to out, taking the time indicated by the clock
10:17
